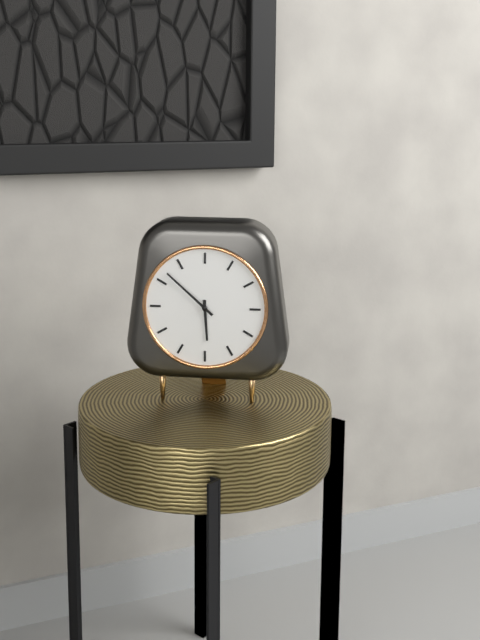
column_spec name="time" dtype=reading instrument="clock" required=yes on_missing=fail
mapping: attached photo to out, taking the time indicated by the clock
5:52
